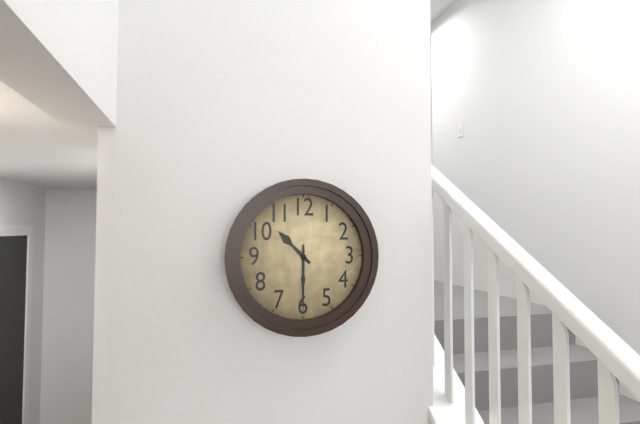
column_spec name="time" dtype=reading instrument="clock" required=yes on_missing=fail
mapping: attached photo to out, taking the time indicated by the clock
10:30
